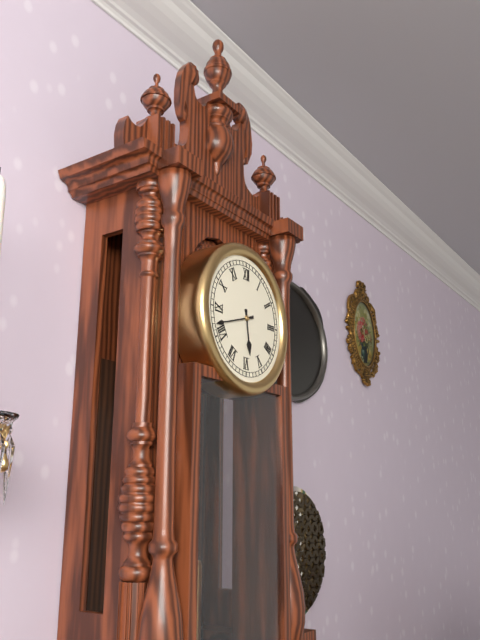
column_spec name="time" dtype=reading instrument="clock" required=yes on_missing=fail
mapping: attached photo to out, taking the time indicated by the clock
5:42
